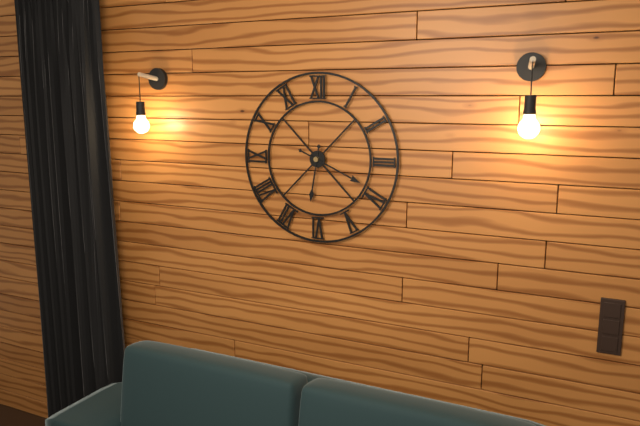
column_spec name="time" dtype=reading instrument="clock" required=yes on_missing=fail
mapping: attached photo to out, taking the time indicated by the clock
6:19
